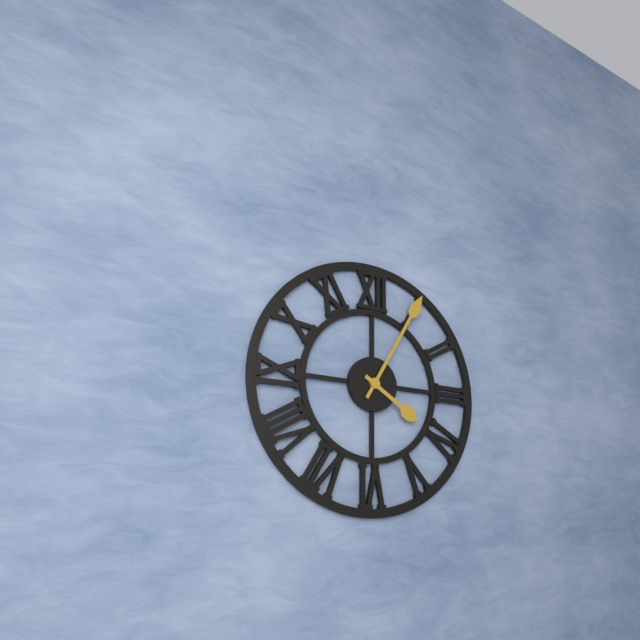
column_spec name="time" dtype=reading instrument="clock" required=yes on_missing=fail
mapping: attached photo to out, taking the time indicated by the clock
4:05
